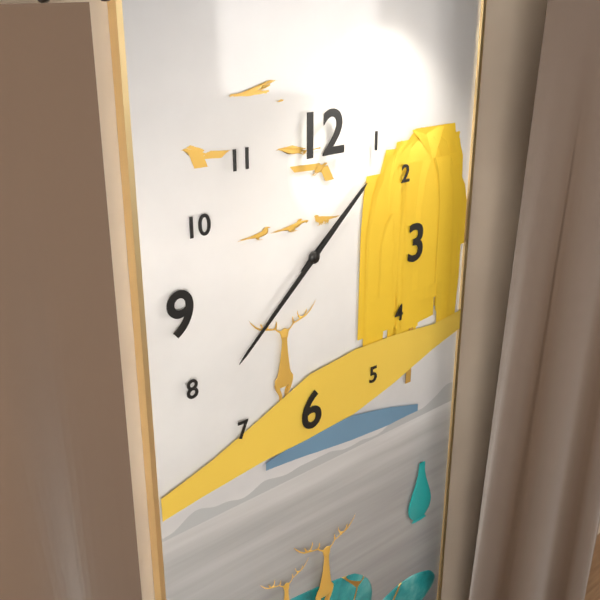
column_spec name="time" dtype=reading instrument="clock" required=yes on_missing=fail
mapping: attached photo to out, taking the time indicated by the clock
1:38
